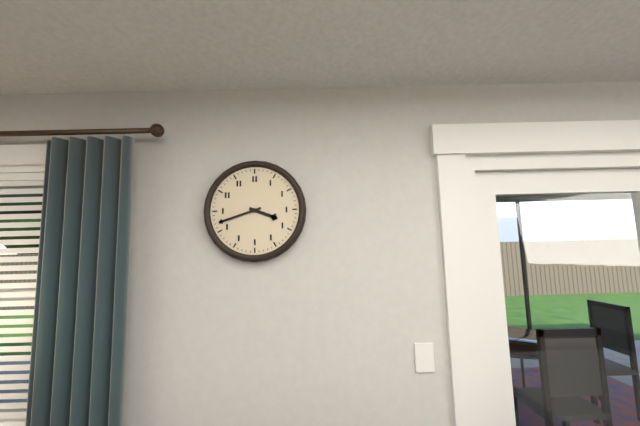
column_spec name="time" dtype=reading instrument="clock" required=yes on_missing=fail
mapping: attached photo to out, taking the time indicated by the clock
3:42
